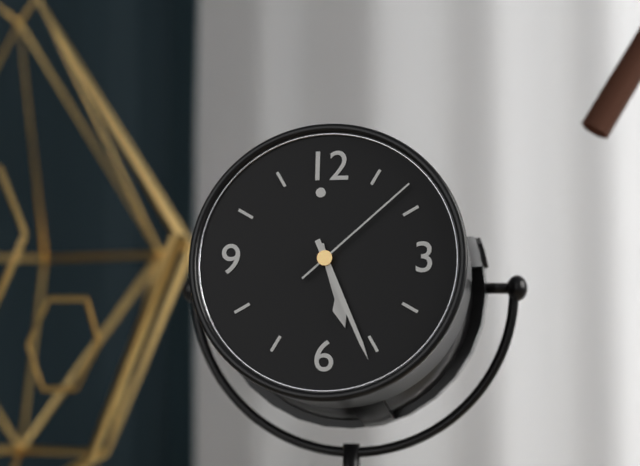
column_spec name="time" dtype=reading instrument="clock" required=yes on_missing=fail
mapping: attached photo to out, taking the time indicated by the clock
5:26:08
